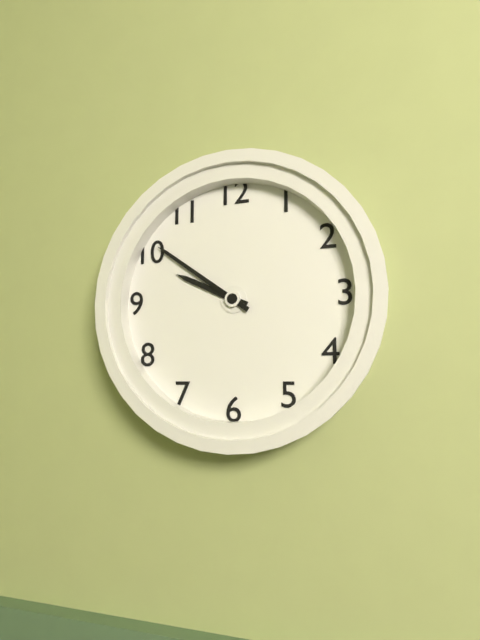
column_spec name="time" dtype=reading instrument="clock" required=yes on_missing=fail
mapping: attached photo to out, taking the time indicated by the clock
9:51
